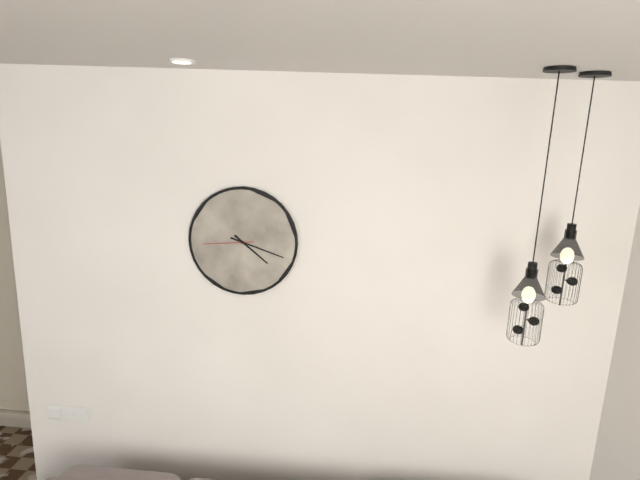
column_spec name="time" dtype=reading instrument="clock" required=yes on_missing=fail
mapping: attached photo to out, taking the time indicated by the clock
4:18
